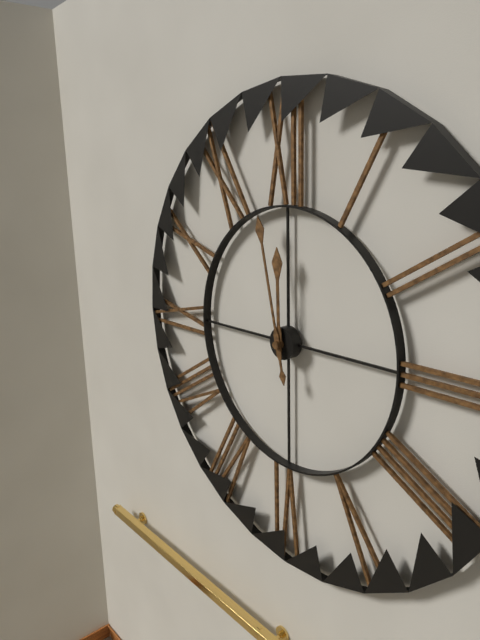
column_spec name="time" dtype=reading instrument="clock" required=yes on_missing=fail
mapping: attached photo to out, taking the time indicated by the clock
11:58
